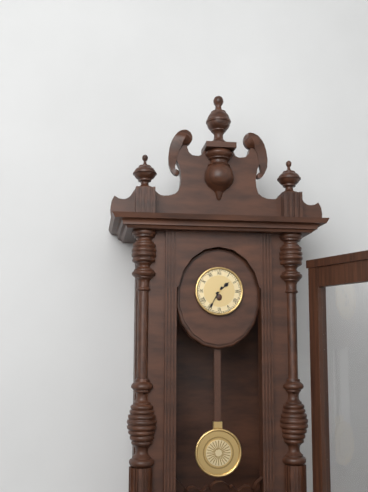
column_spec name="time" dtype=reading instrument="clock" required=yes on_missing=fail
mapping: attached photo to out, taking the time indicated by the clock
1:35
